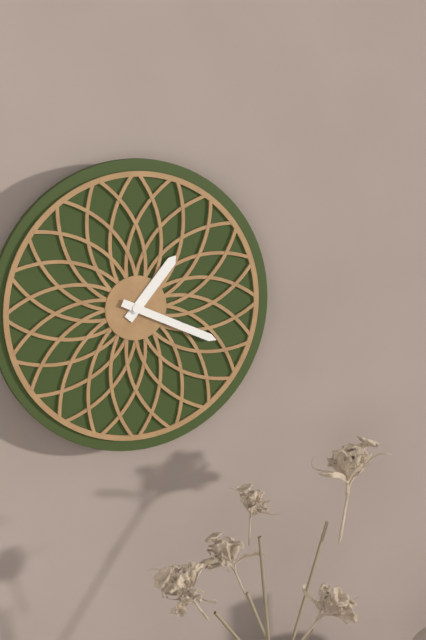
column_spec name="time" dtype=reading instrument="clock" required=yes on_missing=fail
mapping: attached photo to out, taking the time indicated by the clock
1:19
